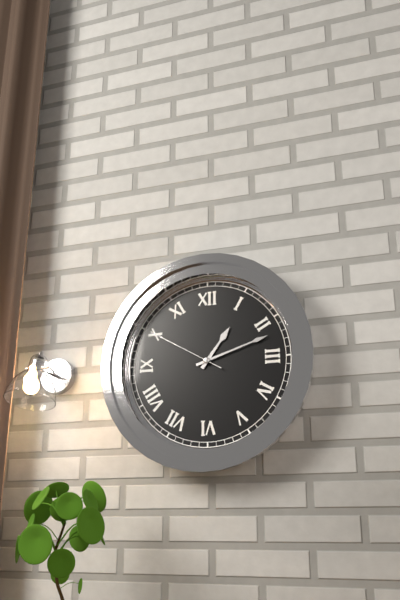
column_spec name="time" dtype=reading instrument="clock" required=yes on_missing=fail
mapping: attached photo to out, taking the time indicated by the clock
1:12:50
